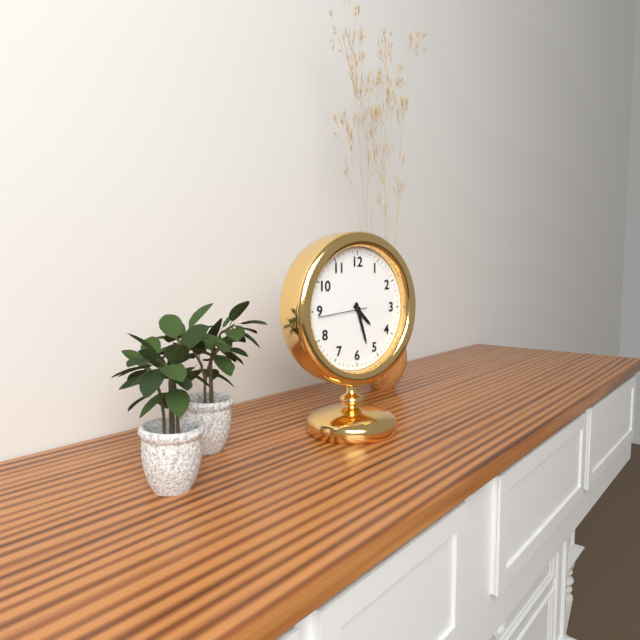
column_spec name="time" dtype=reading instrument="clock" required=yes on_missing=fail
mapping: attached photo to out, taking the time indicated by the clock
4:27:44
